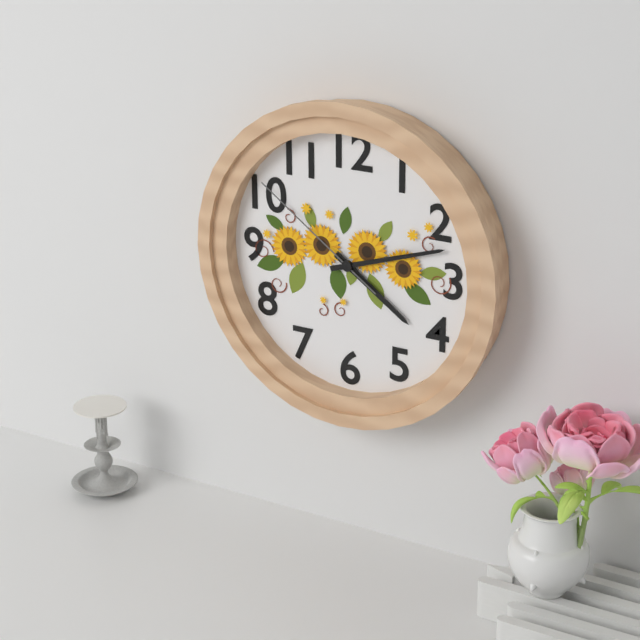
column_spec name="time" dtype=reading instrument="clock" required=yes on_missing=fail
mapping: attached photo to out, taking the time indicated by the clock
4:12:51
